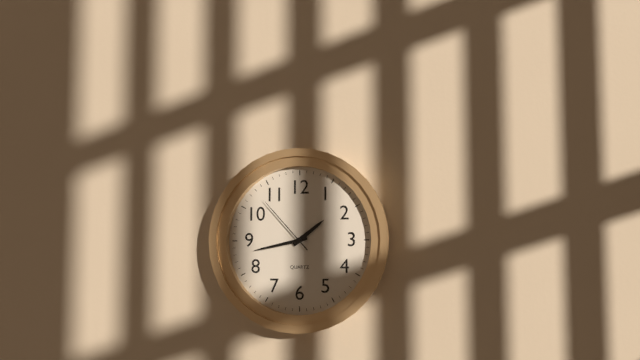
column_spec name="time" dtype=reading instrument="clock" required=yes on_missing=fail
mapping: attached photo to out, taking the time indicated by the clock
1:43:53
